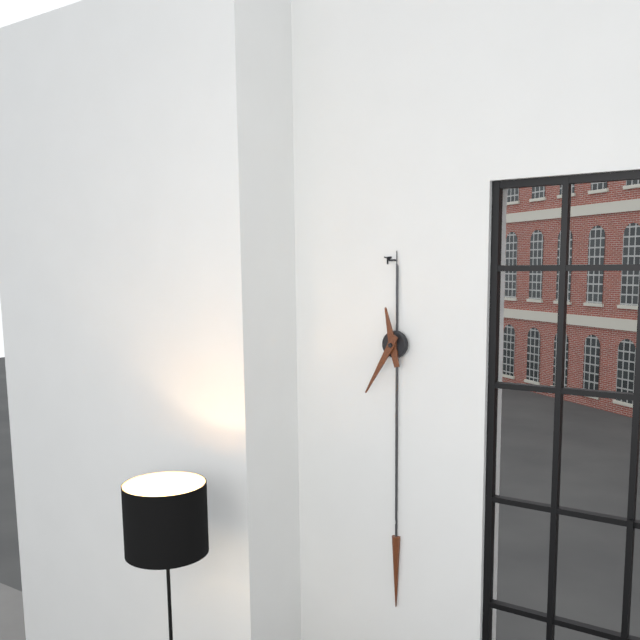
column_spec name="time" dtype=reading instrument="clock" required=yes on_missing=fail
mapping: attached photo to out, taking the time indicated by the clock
11:35
